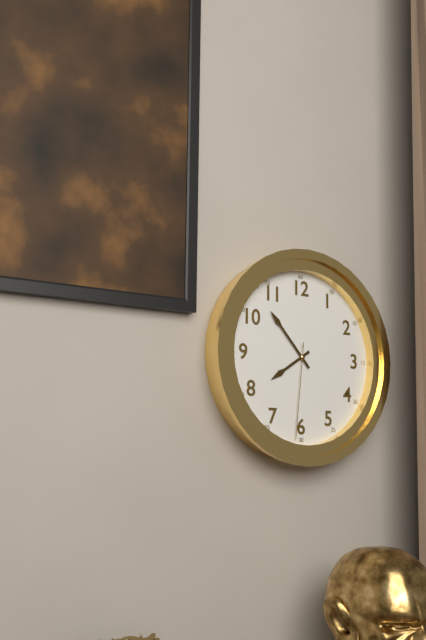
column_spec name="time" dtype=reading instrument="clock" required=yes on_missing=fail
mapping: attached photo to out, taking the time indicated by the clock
7:53:31
